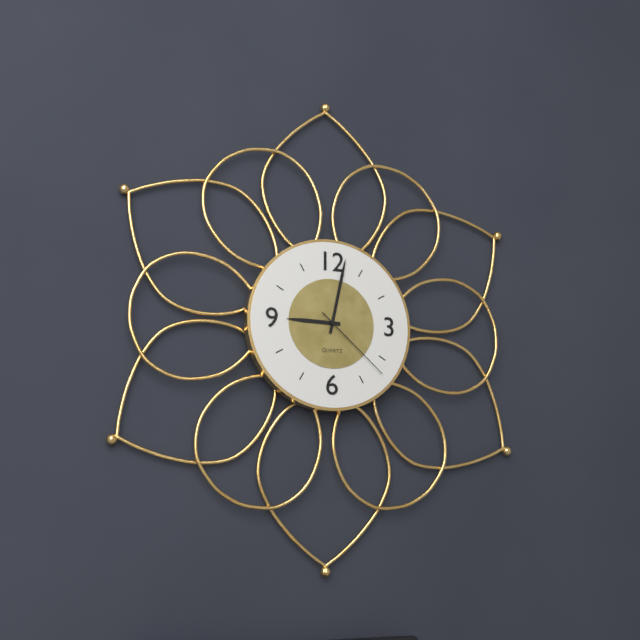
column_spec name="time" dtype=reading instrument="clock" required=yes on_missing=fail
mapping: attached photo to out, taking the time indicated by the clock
9:02:22
